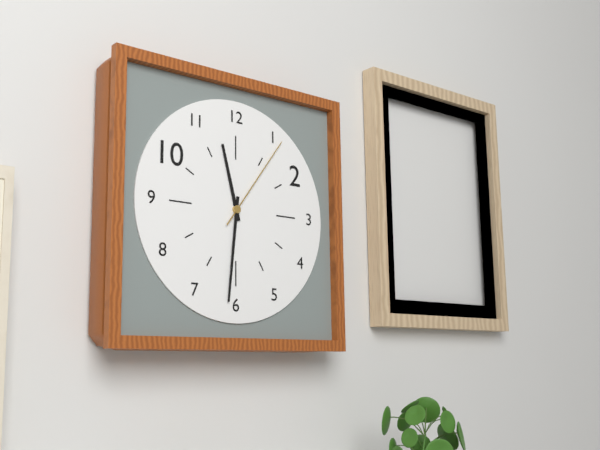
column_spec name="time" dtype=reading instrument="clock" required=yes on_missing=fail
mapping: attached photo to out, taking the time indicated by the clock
11:31:06
